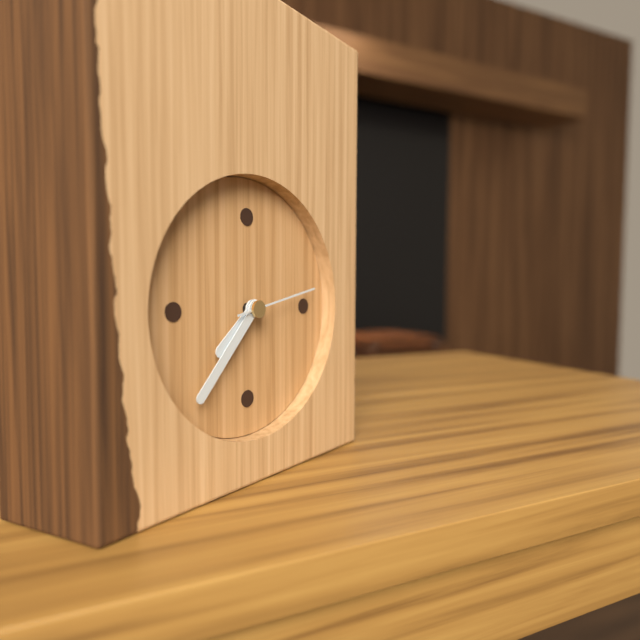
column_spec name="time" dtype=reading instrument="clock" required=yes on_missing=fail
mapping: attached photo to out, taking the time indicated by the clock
7:37:13
